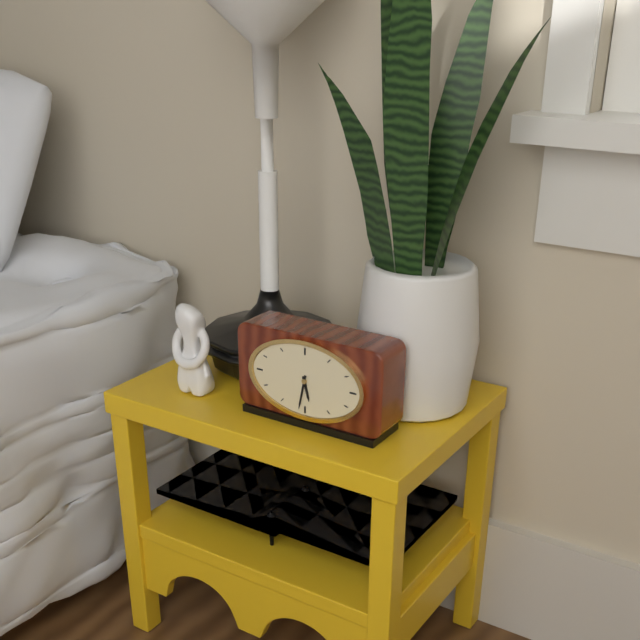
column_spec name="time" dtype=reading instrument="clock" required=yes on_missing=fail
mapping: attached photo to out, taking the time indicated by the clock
5:32
